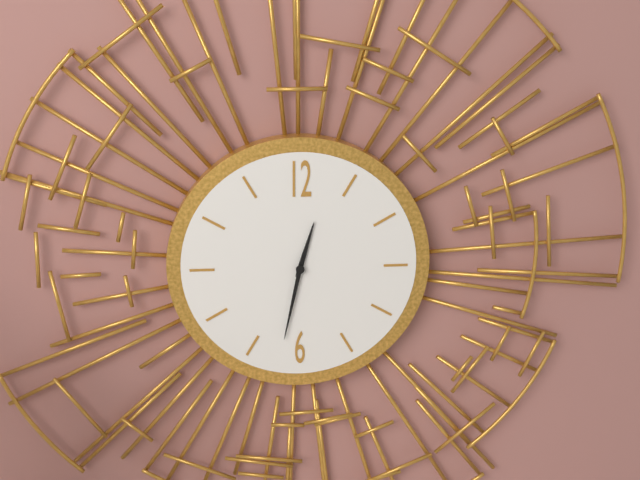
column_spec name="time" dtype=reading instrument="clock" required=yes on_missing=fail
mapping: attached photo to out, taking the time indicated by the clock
12:32
